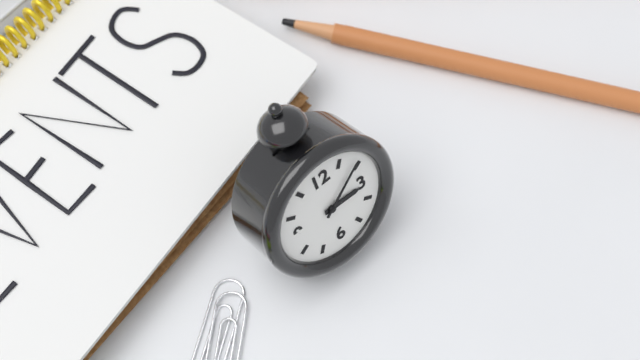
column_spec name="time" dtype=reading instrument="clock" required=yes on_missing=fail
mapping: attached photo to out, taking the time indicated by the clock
3:09
